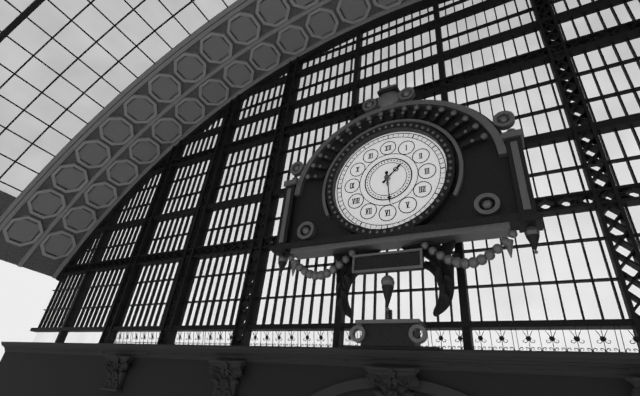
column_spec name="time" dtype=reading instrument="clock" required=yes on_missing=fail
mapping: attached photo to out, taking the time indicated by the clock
1:29
